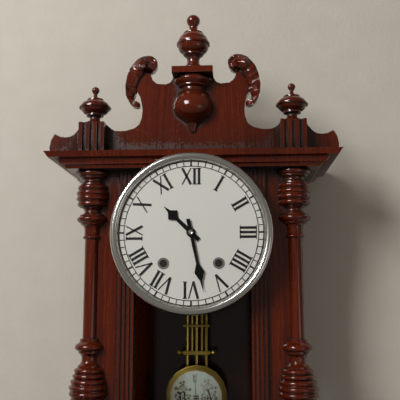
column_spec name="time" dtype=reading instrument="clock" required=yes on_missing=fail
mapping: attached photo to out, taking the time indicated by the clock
10:28
